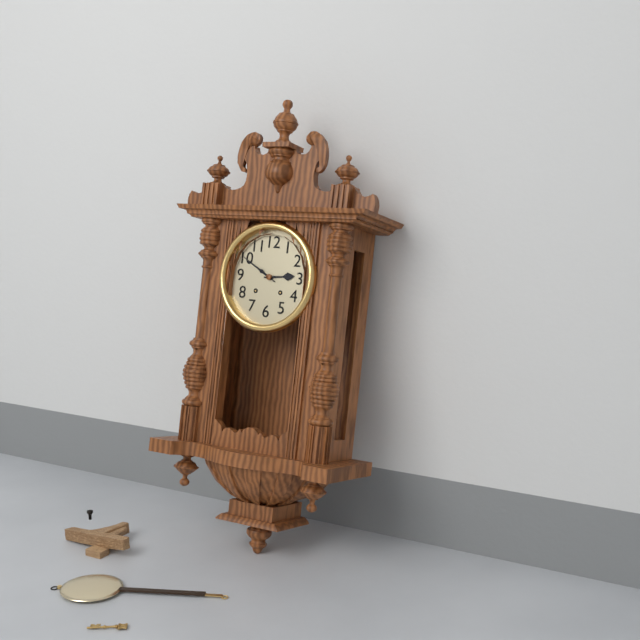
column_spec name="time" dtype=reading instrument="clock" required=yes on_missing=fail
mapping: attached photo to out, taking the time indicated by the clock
2:50
